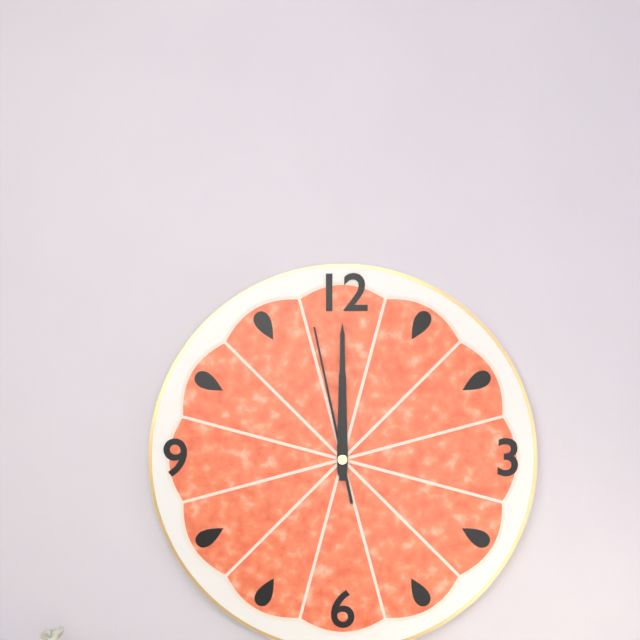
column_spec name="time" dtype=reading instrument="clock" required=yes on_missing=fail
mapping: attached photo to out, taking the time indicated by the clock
12:00:58
